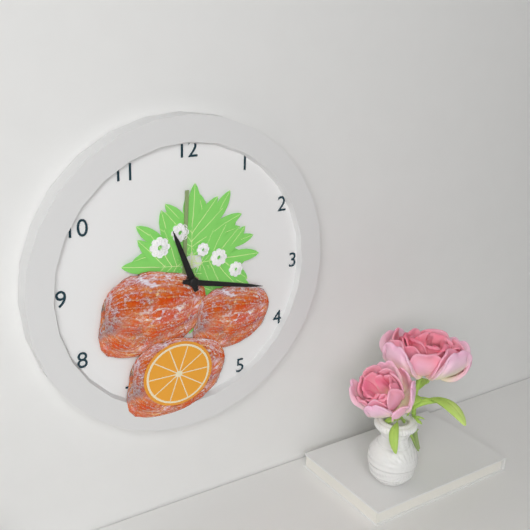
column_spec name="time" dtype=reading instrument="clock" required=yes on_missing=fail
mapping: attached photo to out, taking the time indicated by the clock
11:17
